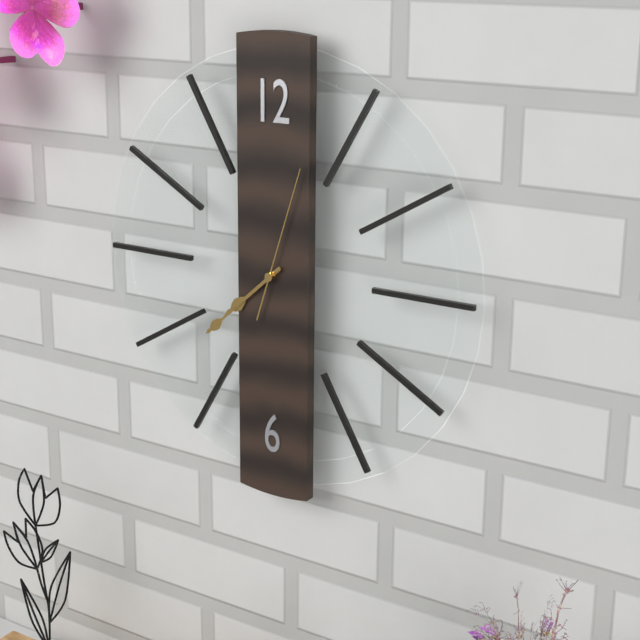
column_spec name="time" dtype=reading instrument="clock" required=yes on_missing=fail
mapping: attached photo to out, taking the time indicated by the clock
7:38:03
